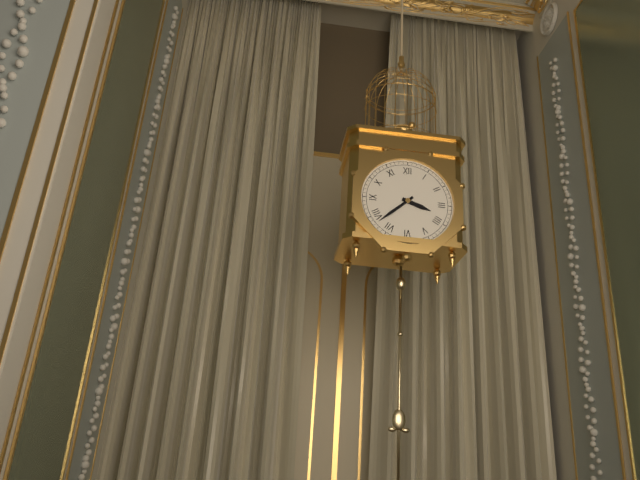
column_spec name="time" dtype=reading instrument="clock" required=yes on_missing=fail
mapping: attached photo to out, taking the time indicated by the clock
3:38
